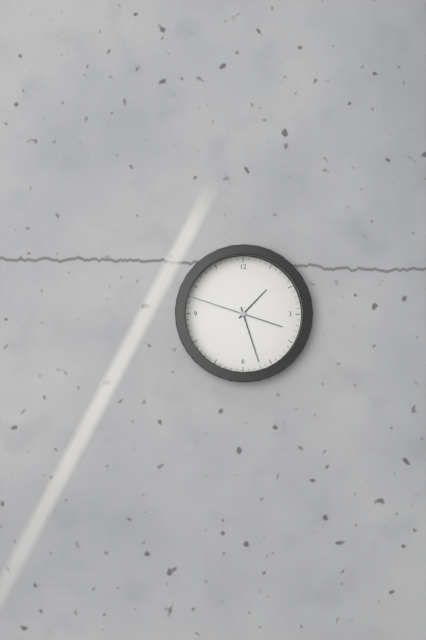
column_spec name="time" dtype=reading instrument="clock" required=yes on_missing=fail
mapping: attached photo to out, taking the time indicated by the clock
1:27:48
